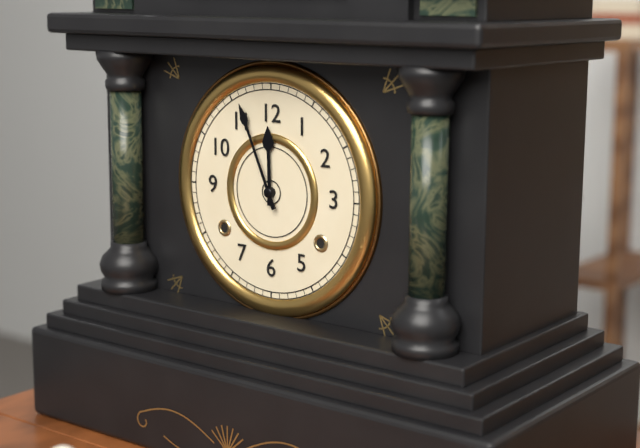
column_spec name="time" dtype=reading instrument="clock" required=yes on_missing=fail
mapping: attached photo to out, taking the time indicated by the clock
11:56
